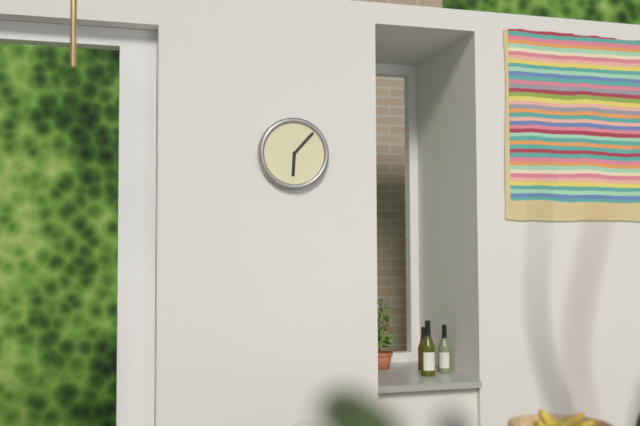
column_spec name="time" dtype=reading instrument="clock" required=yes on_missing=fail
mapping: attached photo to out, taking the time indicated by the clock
6:07
